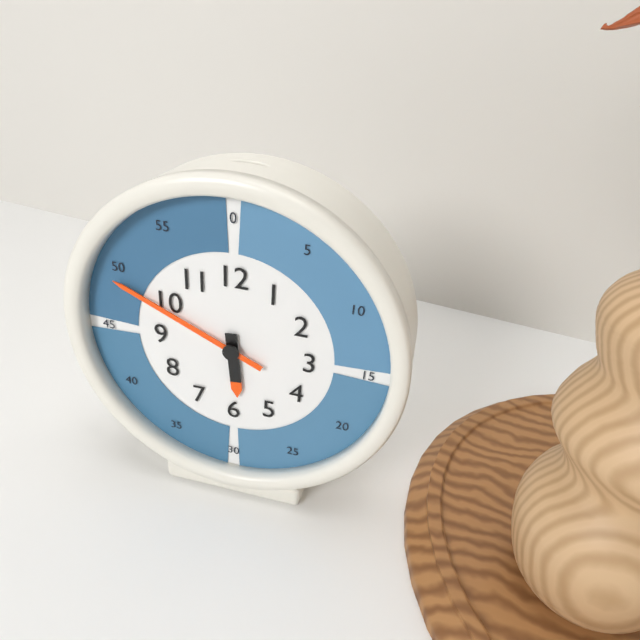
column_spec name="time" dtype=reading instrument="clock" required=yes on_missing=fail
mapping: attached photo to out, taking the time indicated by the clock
5:49
